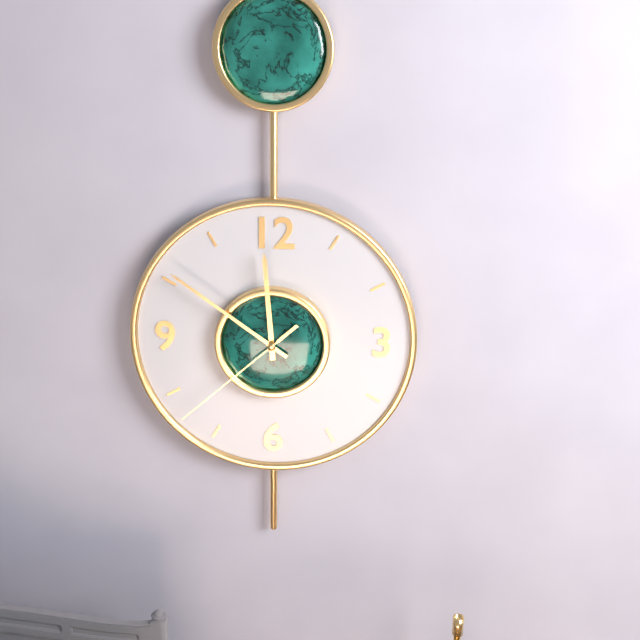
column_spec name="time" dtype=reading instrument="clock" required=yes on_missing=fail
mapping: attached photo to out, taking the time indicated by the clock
11:51:38
